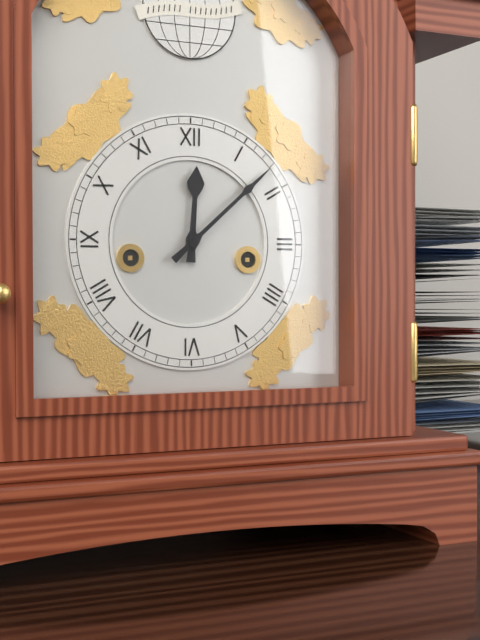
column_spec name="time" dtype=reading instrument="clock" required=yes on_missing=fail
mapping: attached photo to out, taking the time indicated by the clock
12:08
